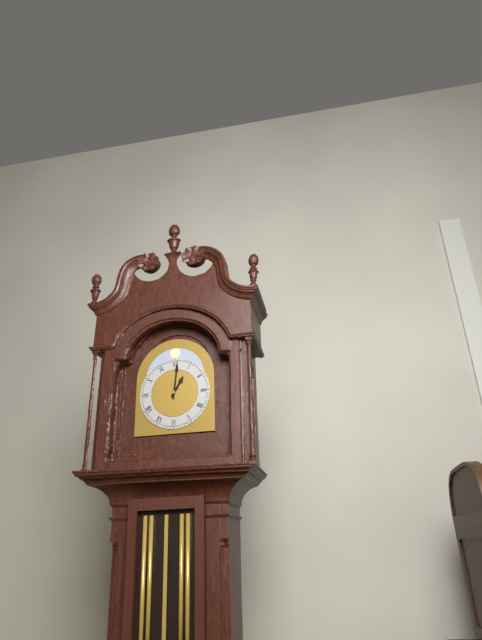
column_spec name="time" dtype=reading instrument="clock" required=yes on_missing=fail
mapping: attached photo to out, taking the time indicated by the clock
1:01
